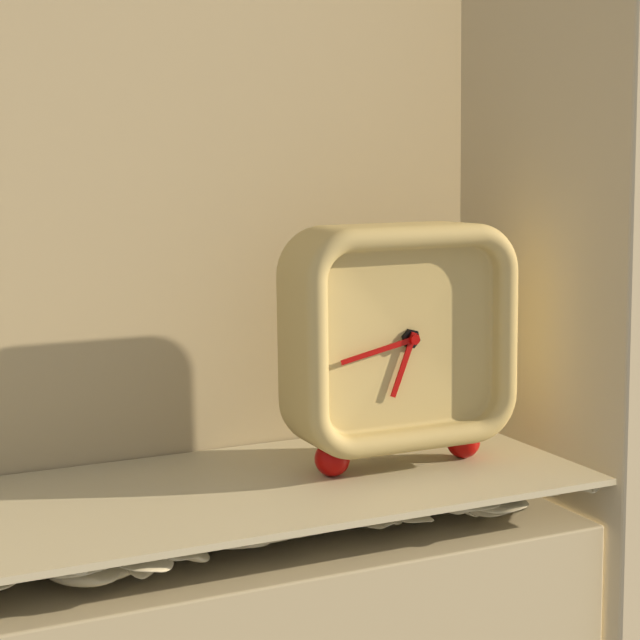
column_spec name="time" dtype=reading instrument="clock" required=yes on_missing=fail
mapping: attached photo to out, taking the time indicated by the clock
6:43
